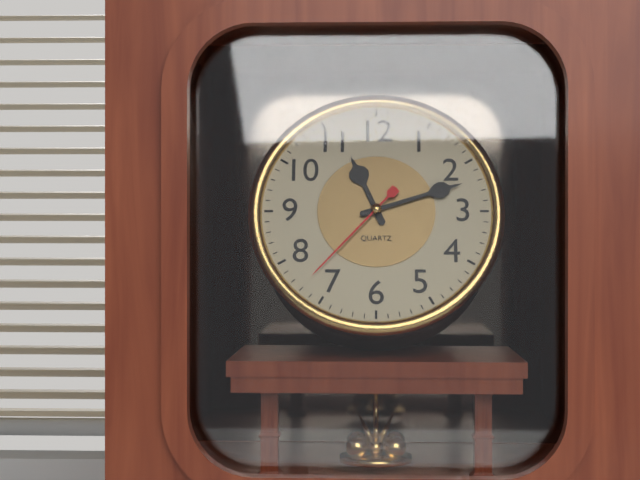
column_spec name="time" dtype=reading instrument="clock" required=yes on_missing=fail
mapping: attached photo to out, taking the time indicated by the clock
11:12:37
